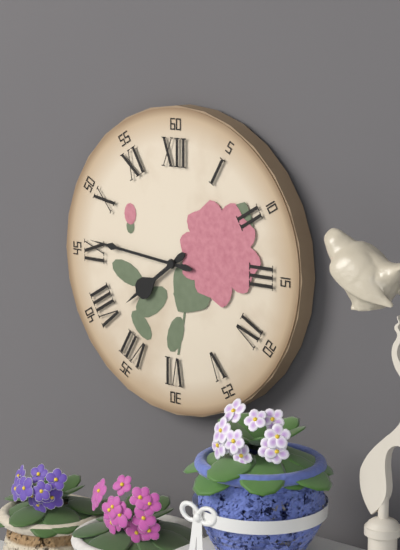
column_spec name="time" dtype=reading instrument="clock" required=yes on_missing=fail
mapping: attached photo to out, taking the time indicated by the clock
7:46
